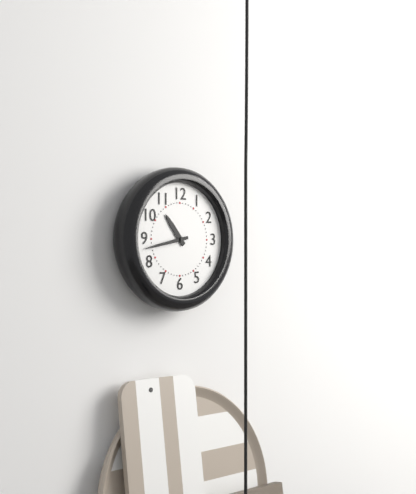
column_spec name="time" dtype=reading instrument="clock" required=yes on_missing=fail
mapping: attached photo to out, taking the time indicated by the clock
10:43
